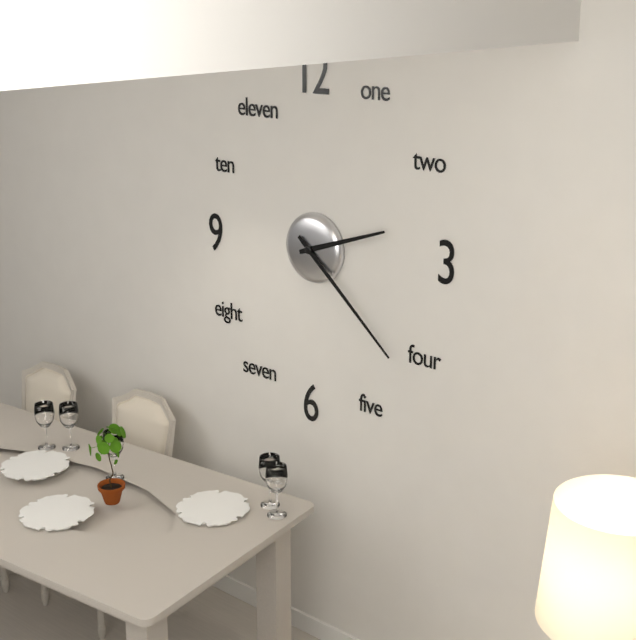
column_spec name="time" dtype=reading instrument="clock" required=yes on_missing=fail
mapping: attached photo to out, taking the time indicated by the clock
2:22
